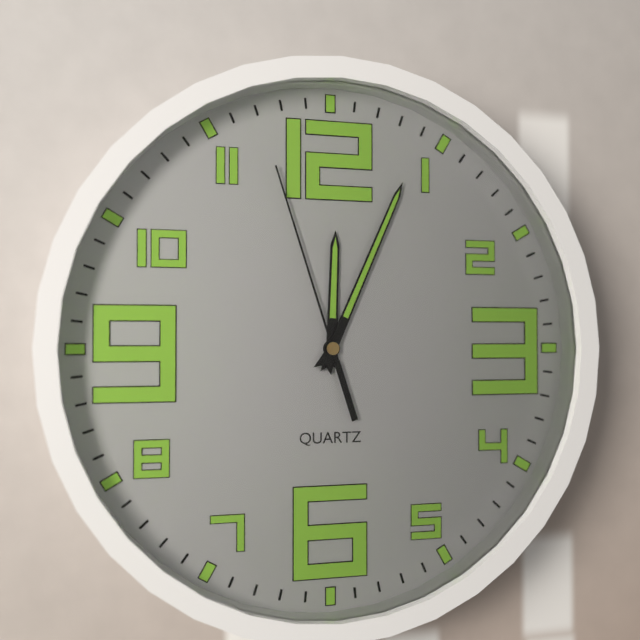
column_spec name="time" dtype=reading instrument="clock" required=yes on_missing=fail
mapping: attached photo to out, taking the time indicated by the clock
12:04:57
